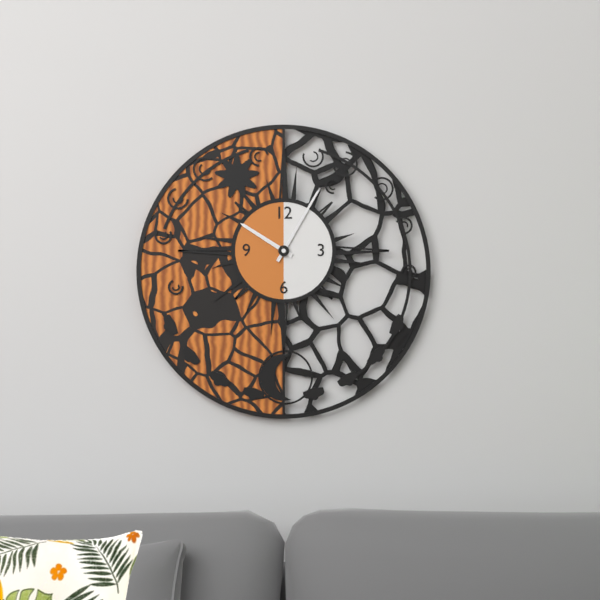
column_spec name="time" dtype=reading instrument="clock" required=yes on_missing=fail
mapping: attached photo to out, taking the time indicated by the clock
10:05
